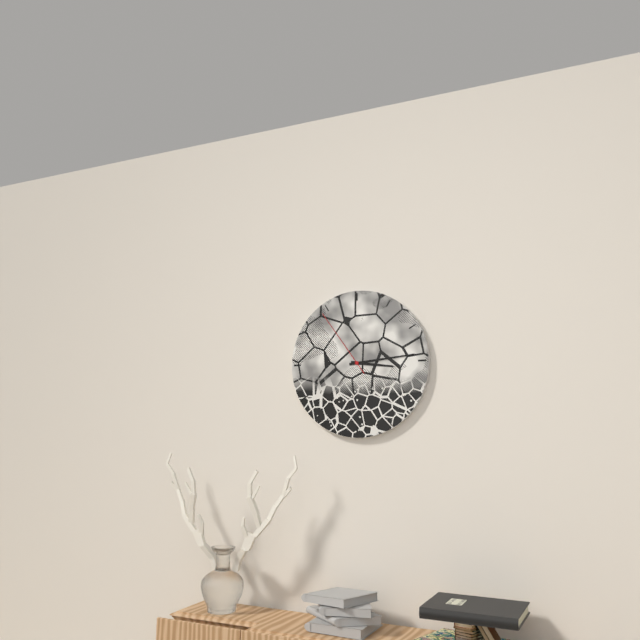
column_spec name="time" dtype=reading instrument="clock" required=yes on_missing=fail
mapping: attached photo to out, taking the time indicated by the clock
3:14:54
